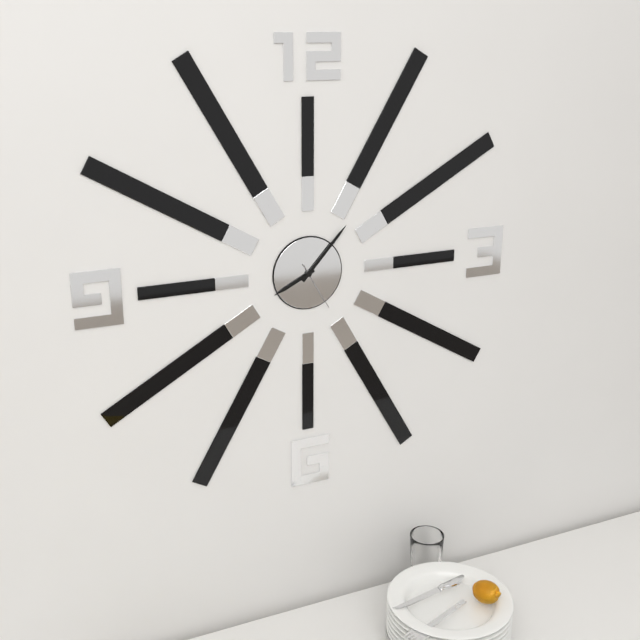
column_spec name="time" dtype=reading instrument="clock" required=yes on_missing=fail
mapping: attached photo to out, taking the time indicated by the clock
8:07:25
